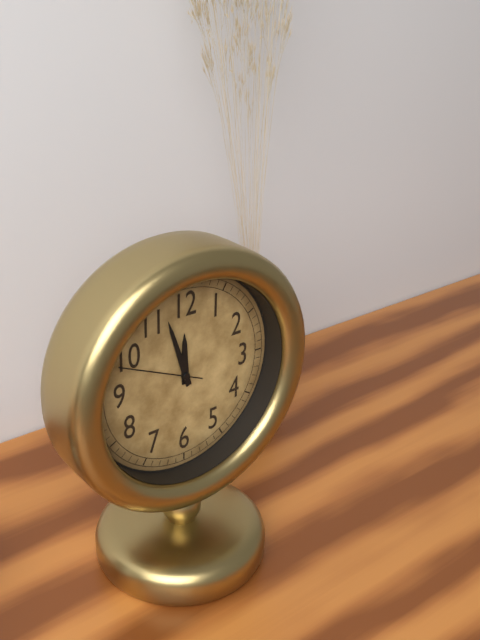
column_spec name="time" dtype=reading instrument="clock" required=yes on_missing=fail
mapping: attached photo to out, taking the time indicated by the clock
11:57:49
